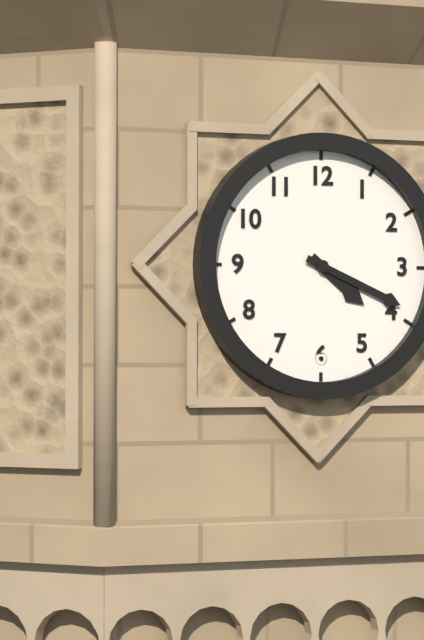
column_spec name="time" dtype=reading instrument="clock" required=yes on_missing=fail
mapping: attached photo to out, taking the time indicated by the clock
4:19
